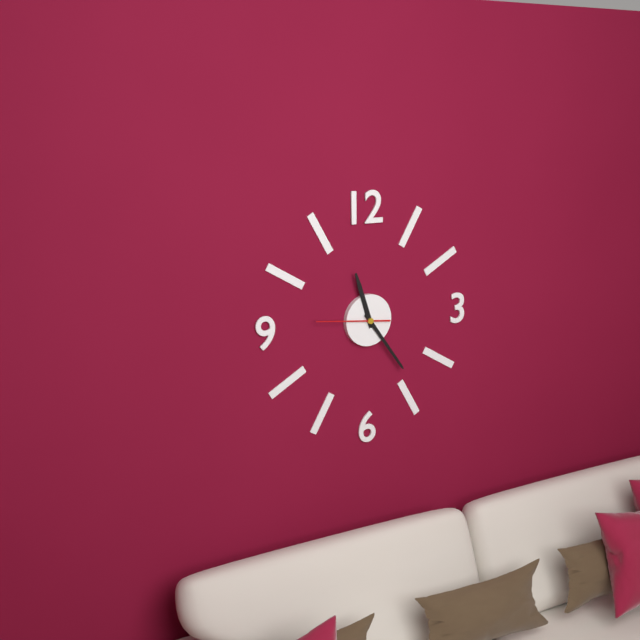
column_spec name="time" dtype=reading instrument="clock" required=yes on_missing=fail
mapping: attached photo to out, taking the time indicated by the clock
11:24:46
